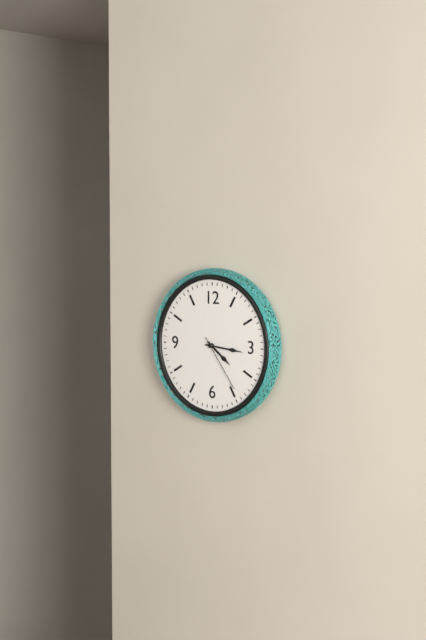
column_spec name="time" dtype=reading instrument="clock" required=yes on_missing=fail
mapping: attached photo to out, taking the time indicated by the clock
4:16:24
